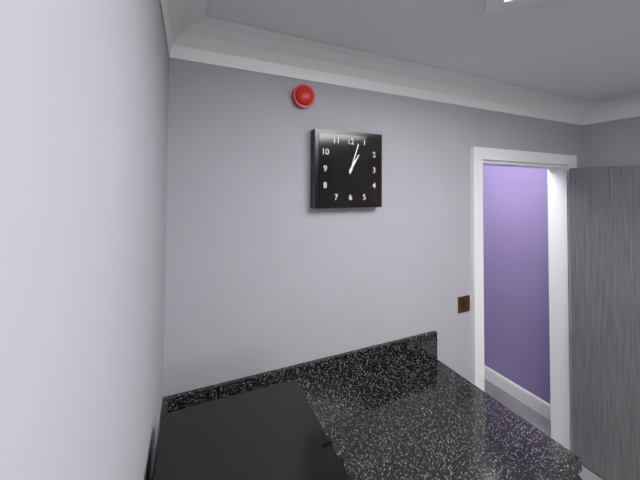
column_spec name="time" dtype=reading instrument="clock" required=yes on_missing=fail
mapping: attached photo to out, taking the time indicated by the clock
1:03
